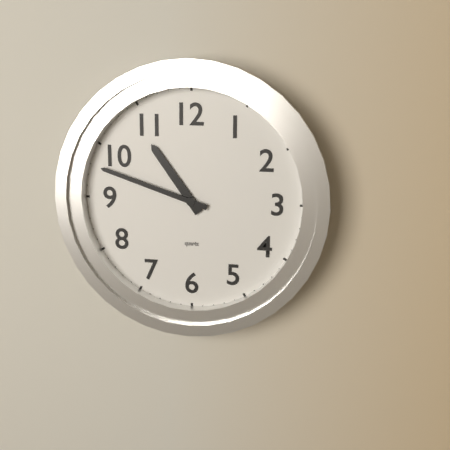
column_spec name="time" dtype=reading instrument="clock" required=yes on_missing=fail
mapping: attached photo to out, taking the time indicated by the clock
10:48
